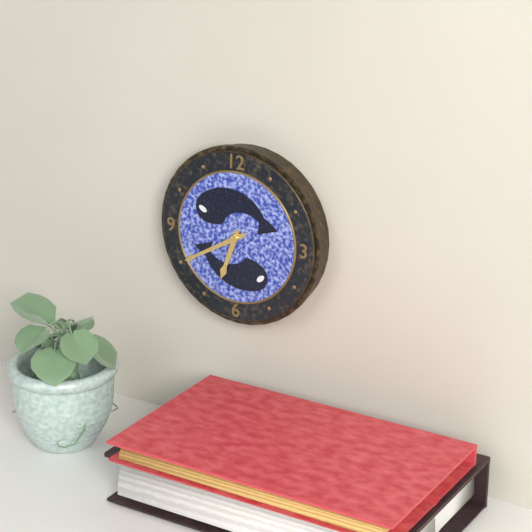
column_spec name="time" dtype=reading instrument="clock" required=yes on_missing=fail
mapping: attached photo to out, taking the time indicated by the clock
6:40
